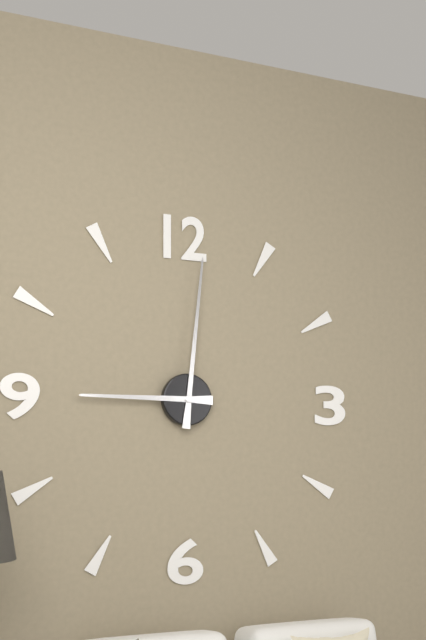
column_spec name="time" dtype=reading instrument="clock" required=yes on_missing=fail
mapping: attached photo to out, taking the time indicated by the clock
9:01
